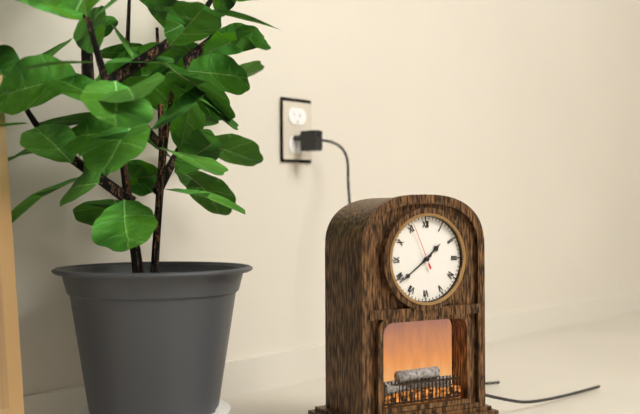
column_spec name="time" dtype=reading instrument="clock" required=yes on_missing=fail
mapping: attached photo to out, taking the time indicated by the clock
1:39
